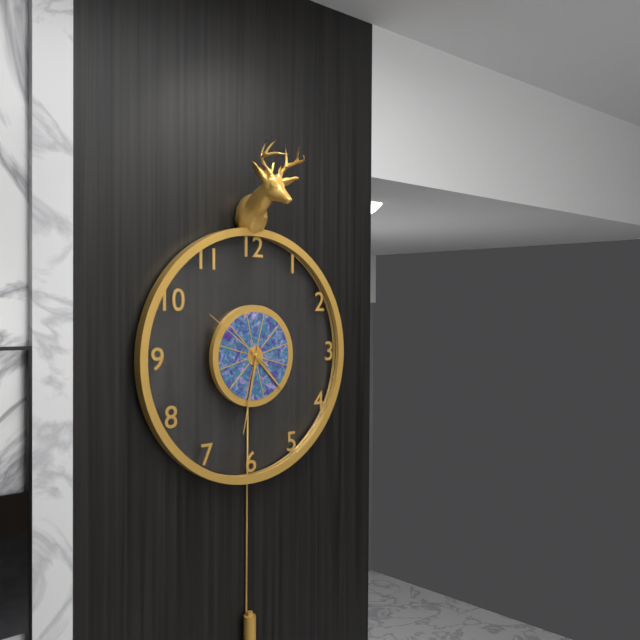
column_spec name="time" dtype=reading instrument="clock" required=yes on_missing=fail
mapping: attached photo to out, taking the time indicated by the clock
4:32:51
